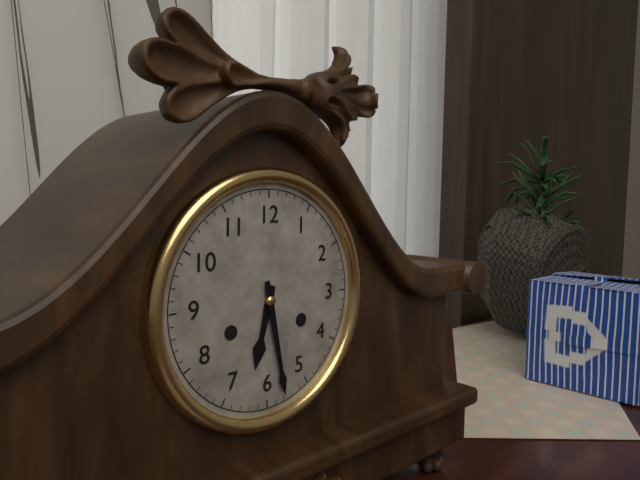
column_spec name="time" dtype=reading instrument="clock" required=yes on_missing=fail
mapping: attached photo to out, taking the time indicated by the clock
6:28
